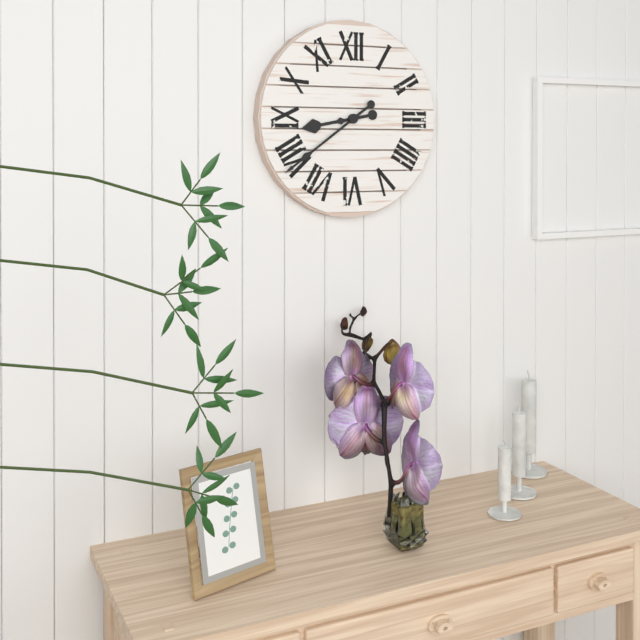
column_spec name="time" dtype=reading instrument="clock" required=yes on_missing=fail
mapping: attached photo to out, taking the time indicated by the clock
8:39
